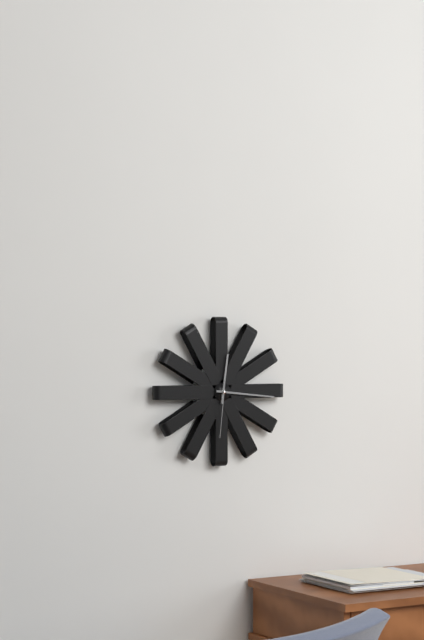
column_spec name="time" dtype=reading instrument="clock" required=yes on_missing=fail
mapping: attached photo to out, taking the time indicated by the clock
12:16:31
